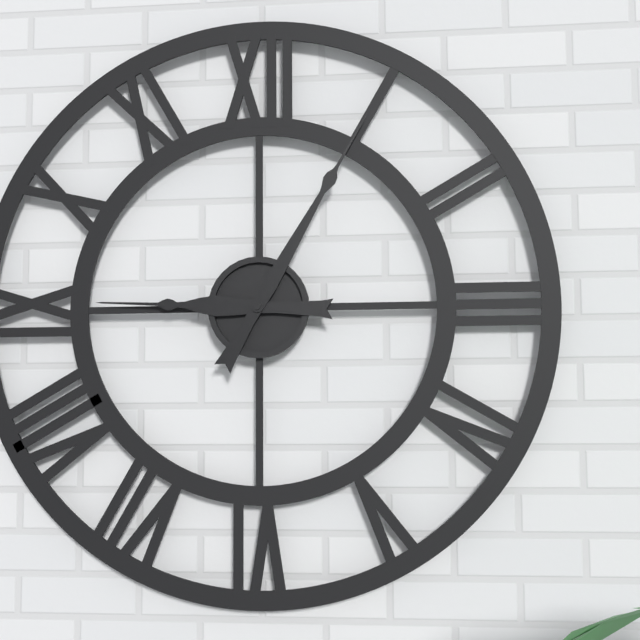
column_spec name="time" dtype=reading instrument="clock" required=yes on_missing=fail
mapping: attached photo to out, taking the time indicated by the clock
9:05
